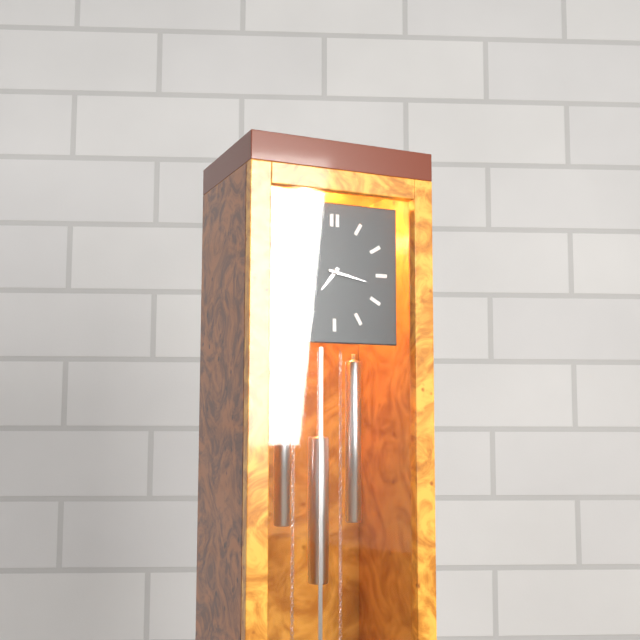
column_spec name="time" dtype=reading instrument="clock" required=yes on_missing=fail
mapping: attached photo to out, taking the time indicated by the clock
7:17
